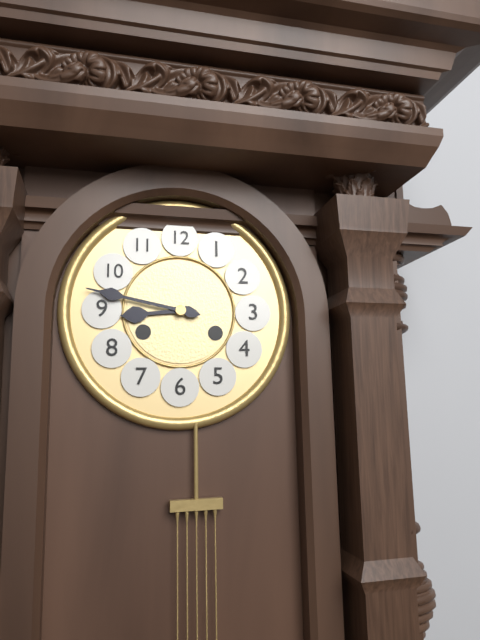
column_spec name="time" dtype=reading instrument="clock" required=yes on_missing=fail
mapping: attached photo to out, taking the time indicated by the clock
8:47
